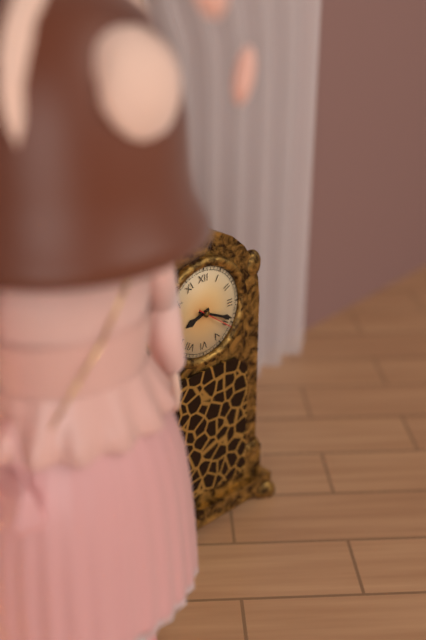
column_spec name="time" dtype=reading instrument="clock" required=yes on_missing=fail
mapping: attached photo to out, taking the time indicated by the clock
8:19
